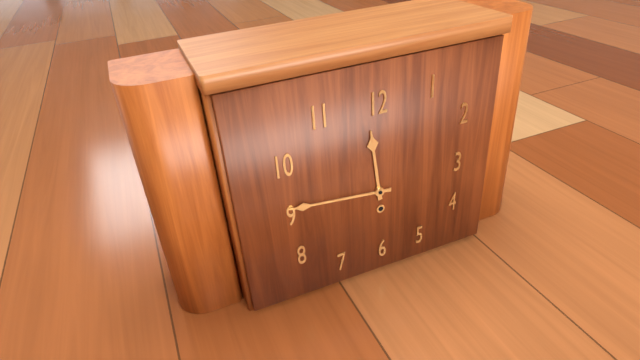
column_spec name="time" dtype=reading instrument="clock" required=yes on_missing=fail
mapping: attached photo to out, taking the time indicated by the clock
11:46
